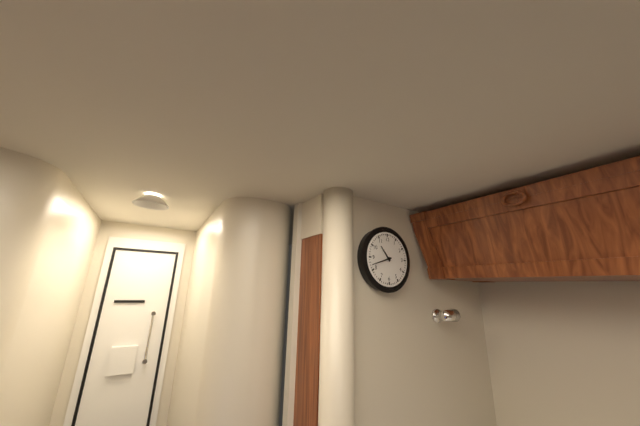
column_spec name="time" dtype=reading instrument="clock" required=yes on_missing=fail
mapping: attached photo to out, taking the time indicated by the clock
10:42
